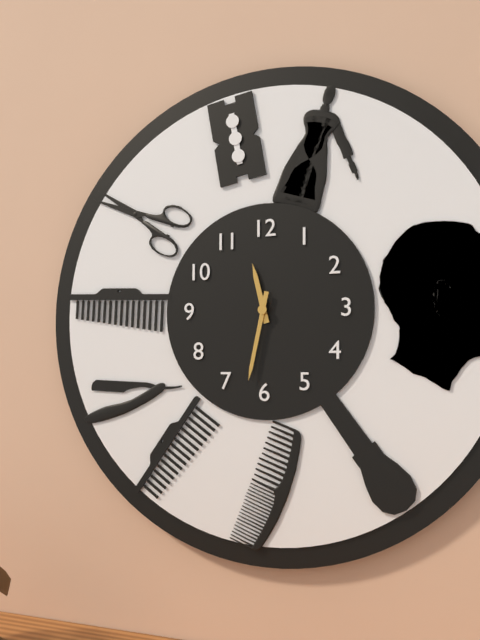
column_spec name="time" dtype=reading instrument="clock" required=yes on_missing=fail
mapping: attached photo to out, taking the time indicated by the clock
11:32
